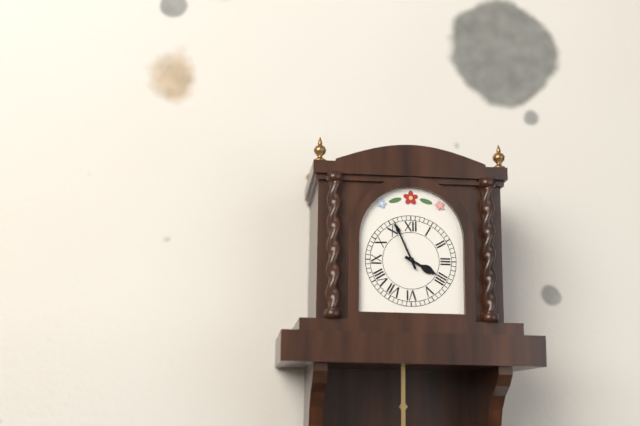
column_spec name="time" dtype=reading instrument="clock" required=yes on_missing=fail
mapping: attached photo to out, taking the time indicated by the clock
3:56
